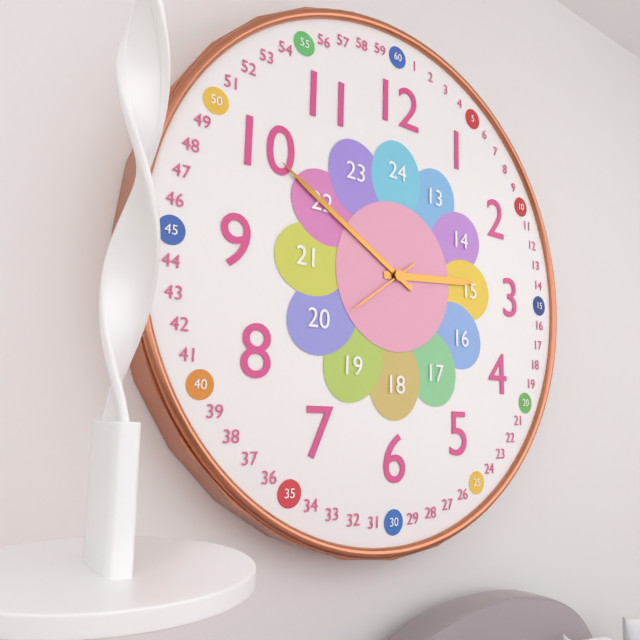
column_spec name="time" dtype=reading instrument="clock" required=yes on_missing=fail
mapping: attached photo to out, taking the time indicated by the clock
2:50:39
